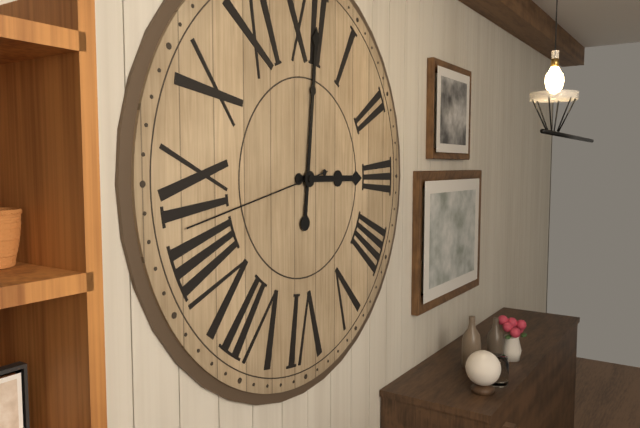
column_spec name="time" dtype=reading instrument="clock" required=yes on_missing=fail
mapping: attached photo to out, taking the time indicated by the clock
3:01:43
